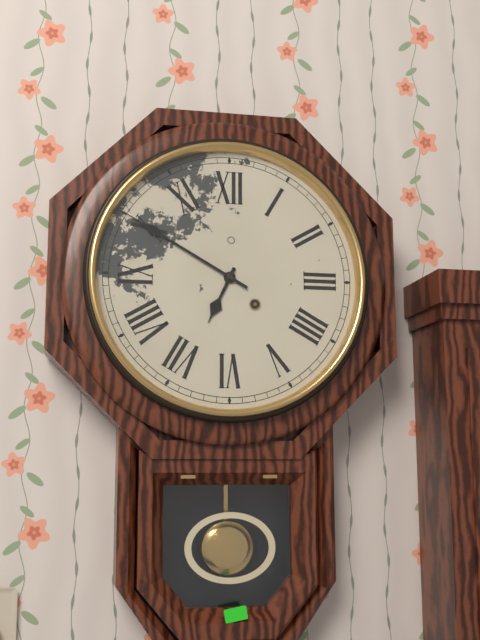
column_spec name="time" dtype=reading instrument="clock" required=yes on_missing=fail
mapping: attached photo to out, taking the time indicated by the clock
6:50
